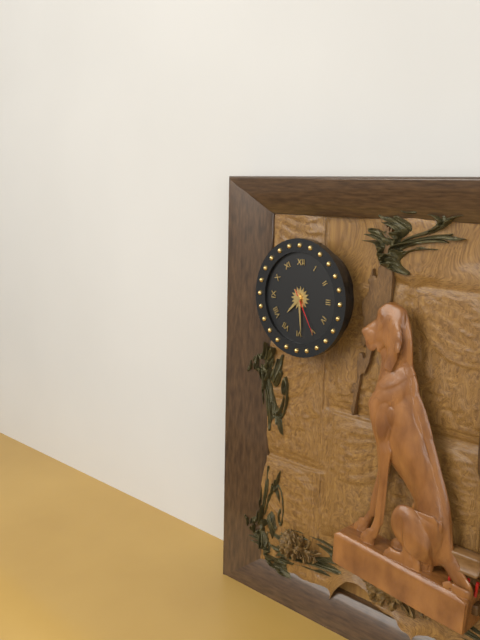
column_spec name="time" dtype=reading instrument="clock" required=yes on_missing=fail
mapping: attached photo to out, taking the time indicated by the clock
7:29
